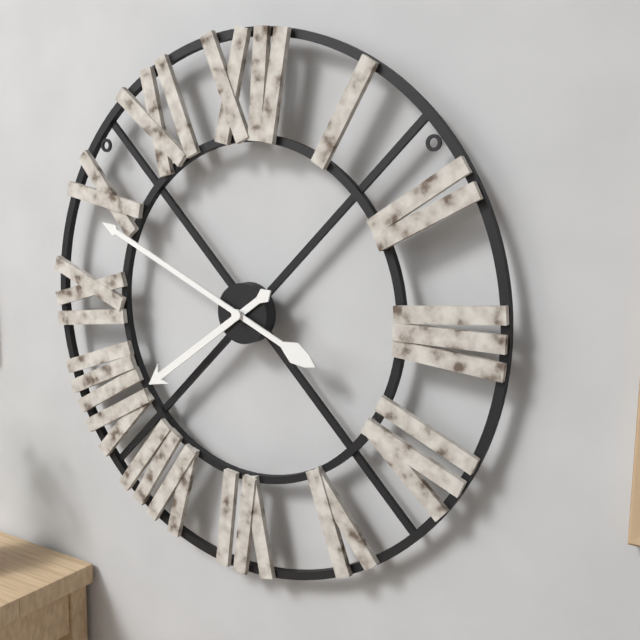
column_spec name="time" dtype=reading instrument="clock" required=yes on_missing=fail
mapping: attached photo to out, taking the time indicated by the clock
7:49
